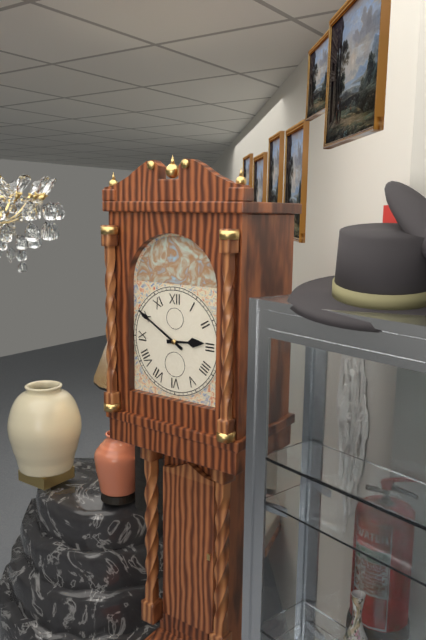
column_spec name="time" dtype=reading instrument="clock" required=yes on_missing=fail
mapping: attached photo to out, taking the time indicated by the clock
2:50
